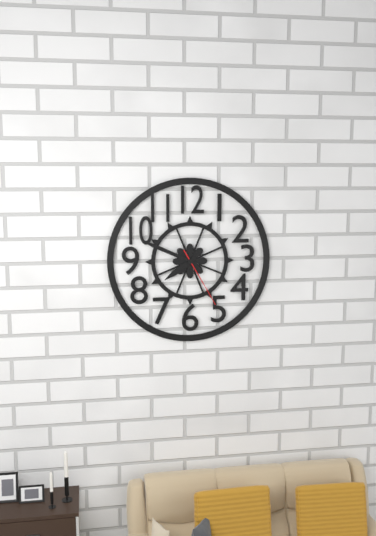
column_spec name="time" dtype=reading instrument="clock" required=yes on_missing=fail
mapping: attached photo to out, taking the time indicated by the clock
7:49:25
